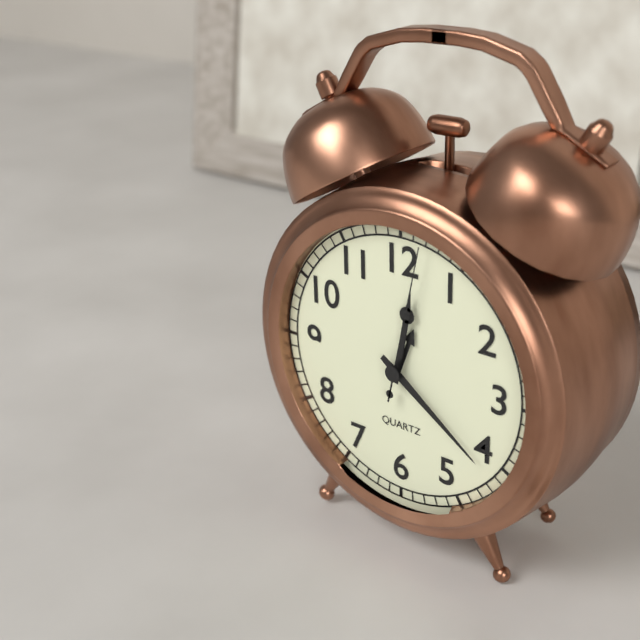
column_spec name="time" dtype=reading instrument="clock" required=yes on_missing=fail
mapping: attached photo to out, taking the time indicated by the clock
12:21:02
